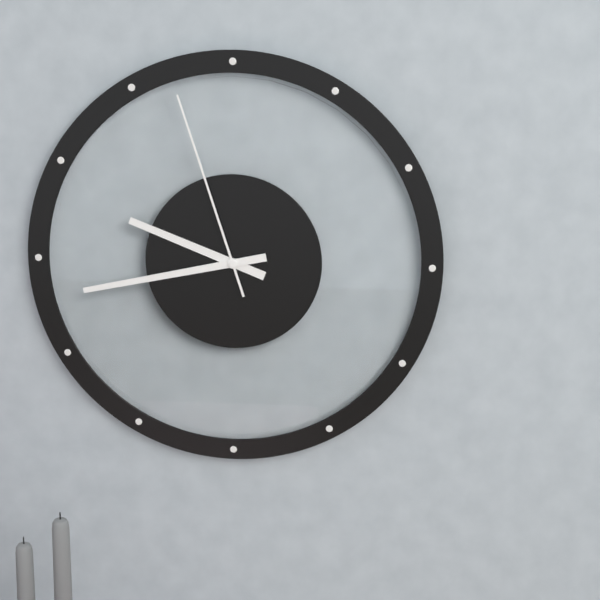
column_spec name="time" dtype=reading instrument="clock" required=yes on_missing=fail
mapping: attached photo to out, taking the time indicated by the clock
9:43:57
